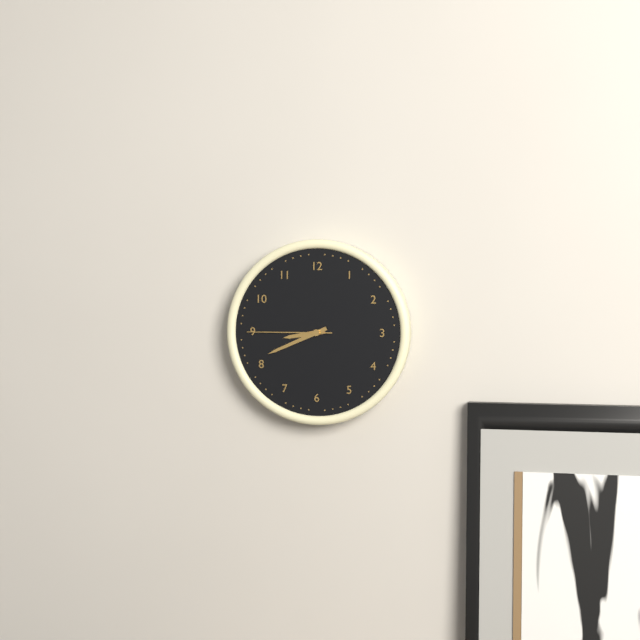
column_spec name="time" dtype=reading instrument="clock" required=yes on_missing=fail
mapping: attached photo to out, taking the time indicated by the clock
8:41:45
